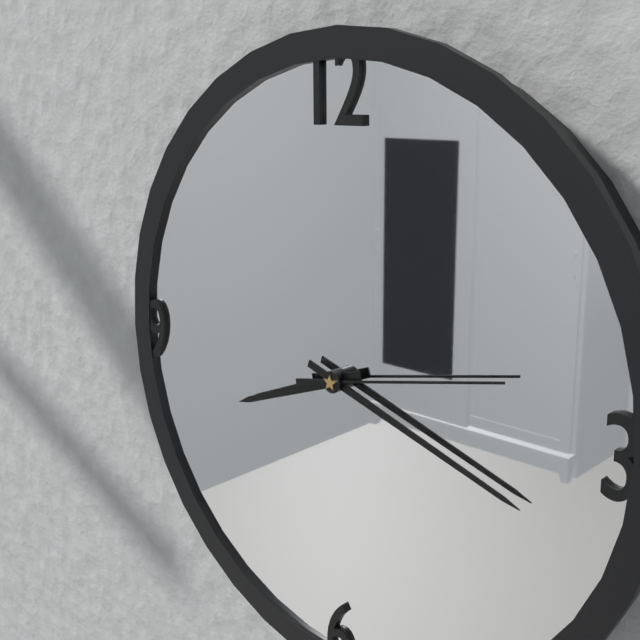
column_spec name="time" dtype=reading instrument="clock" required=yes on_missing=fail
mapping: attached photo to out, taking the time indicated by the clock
8:18:13
